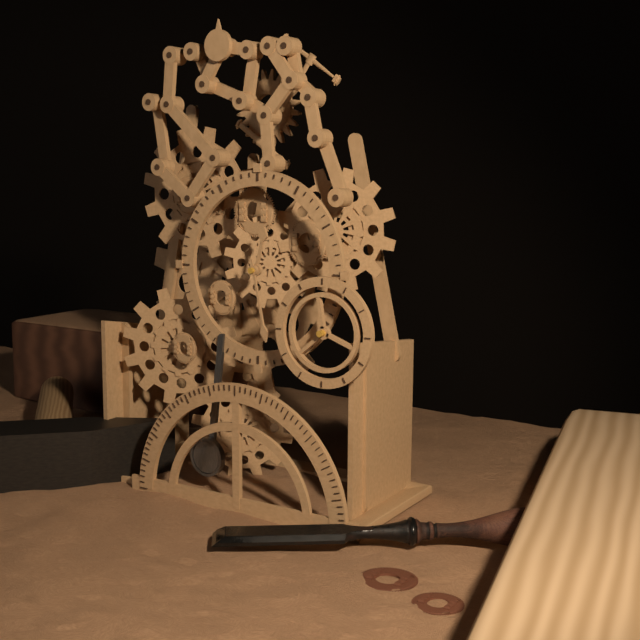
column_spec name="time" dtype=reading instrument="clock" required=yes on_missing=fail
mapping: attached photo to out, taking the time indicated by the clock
12:28
